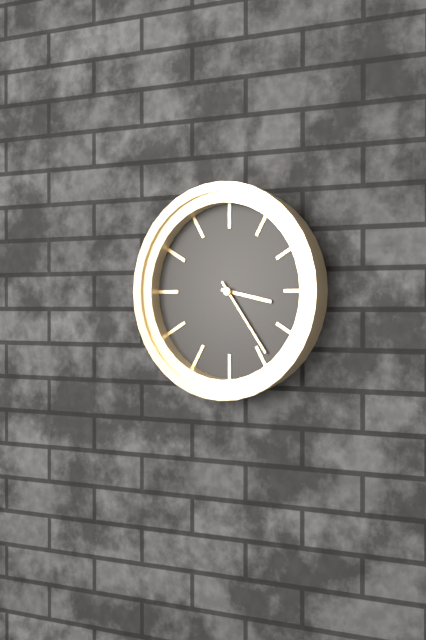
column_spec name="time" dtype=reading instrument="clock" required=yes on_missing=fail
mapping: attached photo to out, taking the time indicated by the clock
3:24
